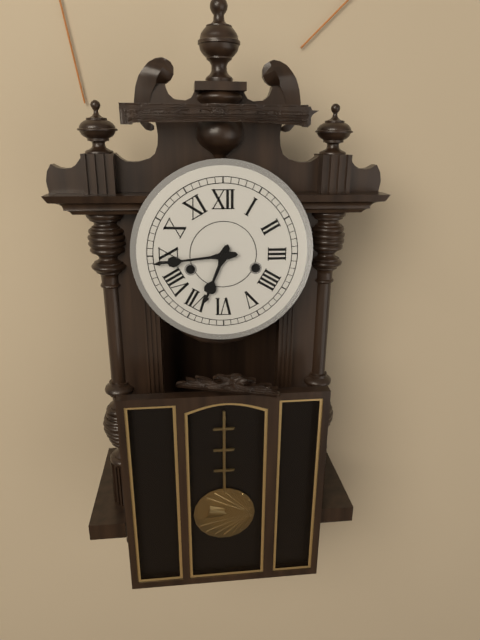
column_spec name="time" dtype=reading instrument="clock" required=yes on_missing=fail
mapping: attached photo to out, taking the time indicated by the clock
6:44
